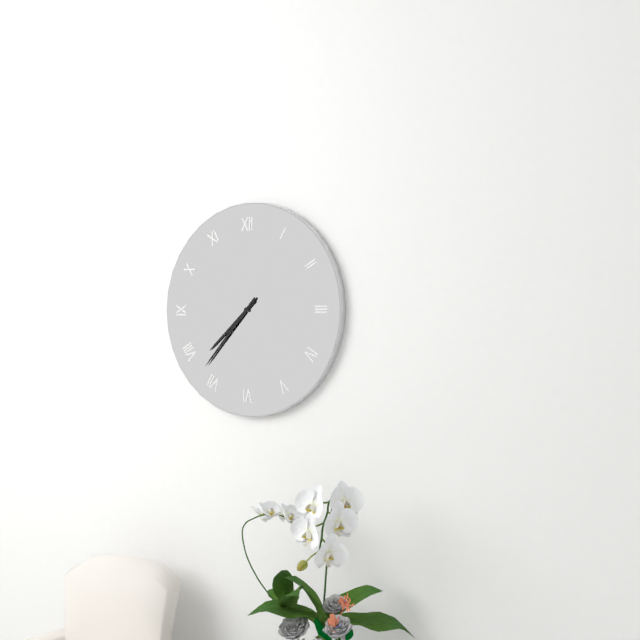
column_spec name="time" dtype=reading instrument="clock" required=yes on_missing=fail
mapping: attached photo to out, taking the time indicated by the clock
7:37
